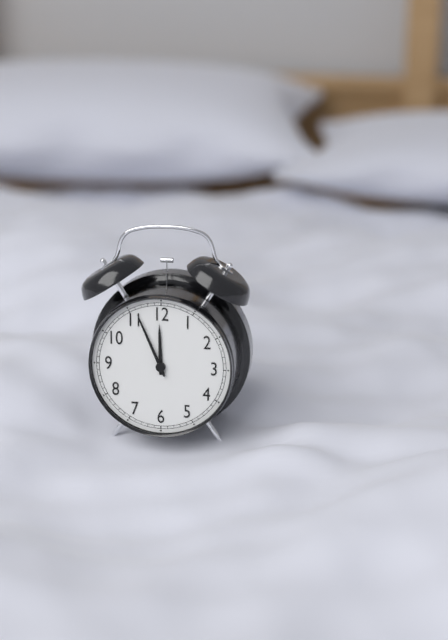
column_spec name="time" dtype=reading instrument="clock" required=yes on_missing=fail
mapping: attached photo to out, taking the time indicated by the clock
11:56
